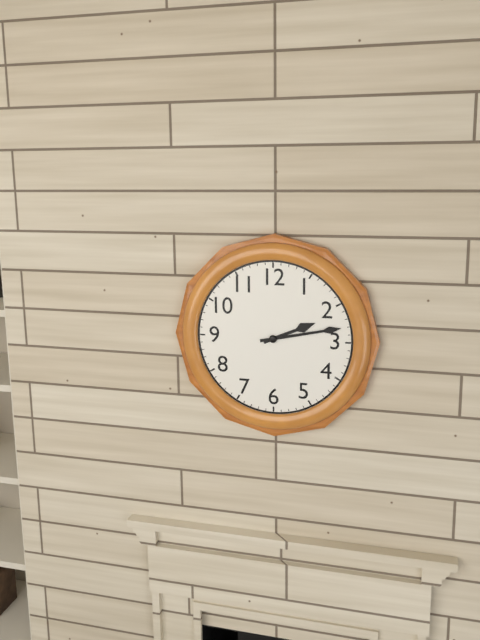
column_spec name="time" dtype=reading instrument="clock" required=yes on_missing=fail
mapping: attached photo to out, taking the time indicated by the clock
2:13
